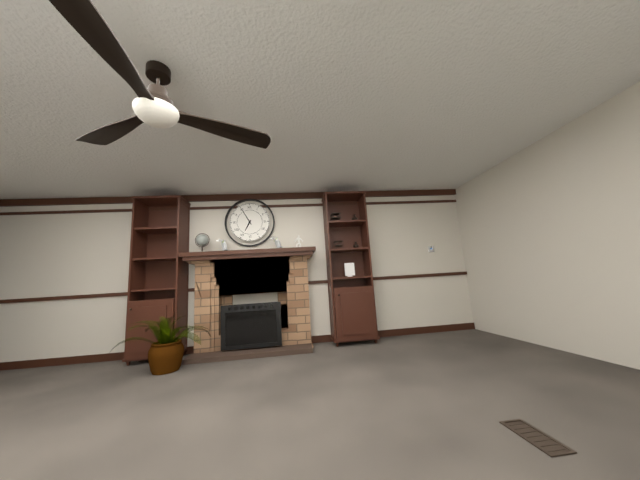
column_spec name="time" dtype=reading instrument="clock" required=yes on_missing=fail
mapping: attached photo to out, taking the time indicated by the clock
6:55
